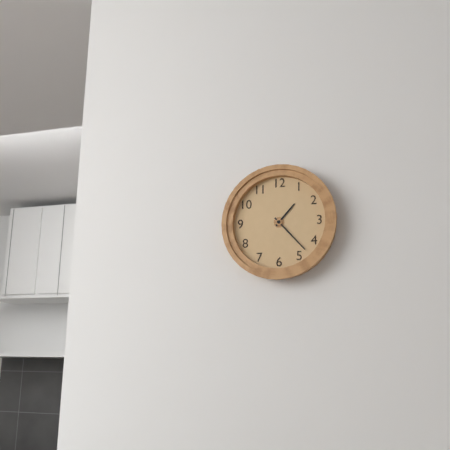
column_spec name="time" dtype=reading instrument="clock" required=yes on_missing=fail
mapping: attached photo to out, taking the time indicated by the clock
1:23
